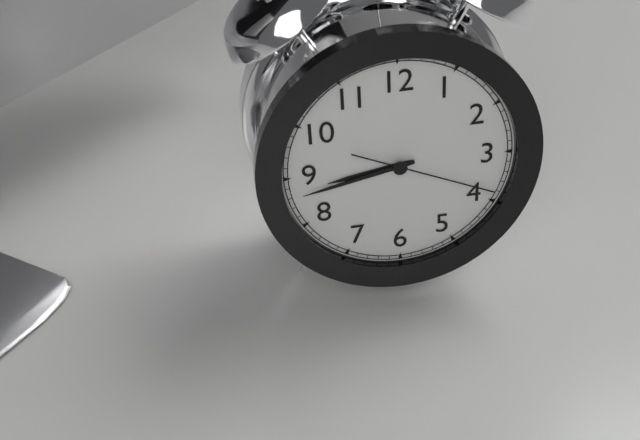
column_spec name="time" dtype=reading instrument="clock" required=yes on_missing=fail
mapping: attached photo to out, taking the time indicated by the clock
8:43:19
